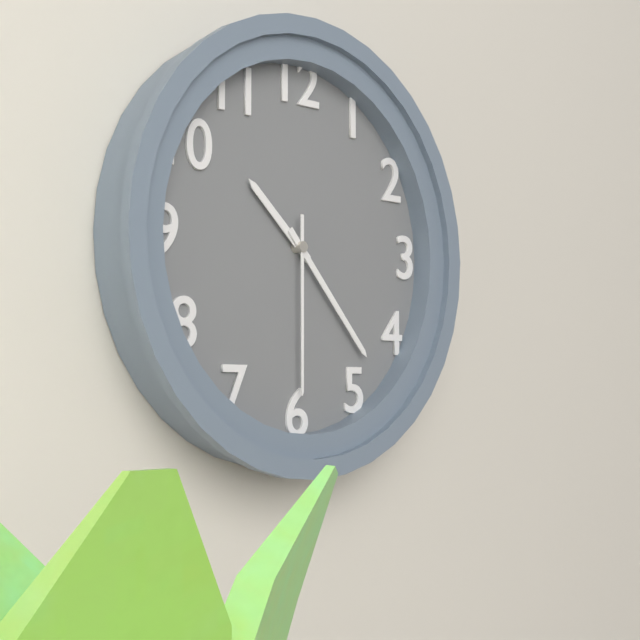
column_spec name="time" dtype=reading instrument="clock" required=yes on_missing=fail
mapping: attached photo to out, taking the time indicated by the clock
10:23:30
